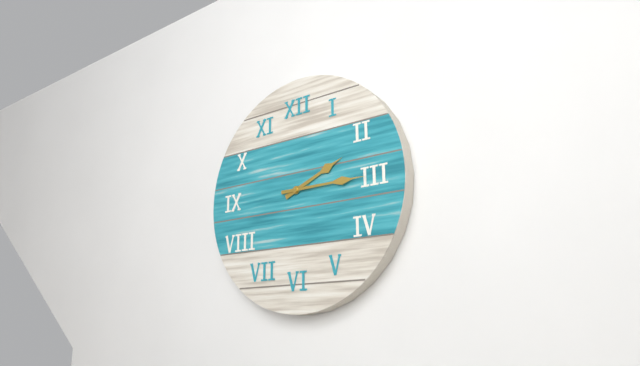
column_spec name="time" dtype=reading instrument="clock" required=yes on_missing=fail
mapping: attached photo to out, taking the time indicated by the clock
2:15
